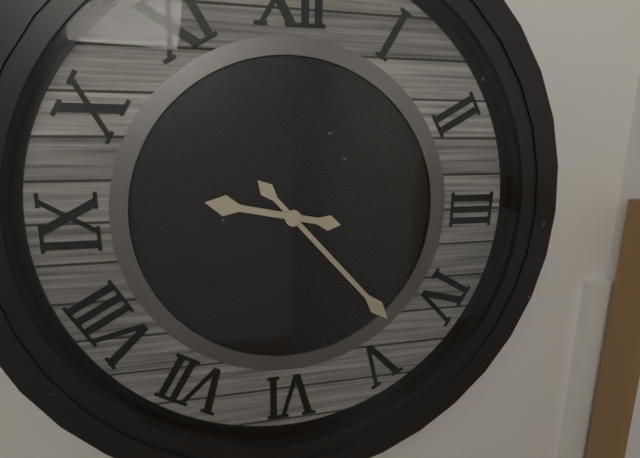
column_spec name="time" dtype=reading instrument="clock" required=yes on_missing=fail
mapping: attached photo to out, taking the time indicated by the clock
9:23
